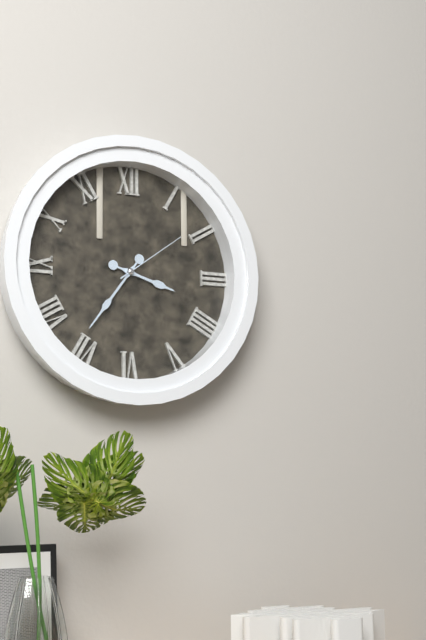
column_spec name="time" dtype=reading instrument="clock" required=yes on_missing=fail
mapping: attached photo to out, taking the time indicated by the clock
3:36:09
